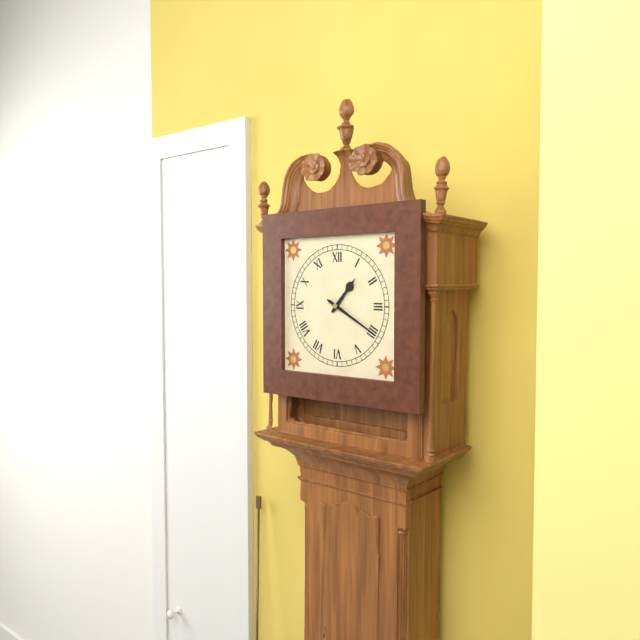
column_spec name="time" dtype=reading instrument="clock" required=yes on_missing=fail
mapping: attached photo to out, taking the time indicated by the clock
1:20
